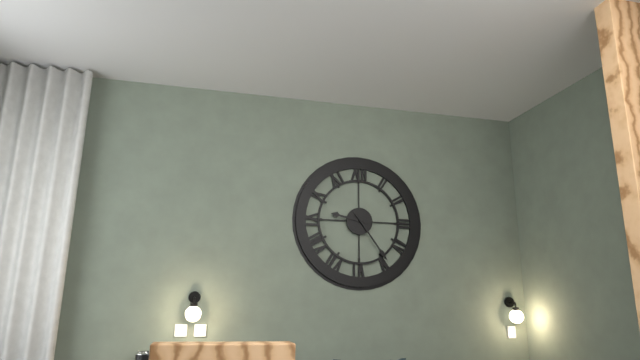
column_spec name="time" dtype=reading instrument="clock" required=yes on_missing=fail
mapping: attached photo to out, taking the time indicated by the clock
9:24
